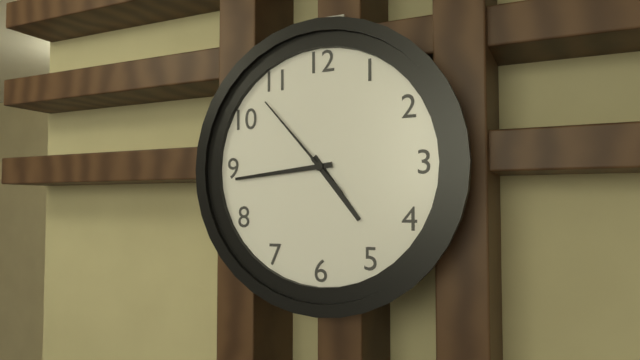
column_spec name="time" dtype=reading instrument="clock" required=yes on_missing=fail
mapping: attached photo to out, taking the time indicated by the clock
4:44:53
